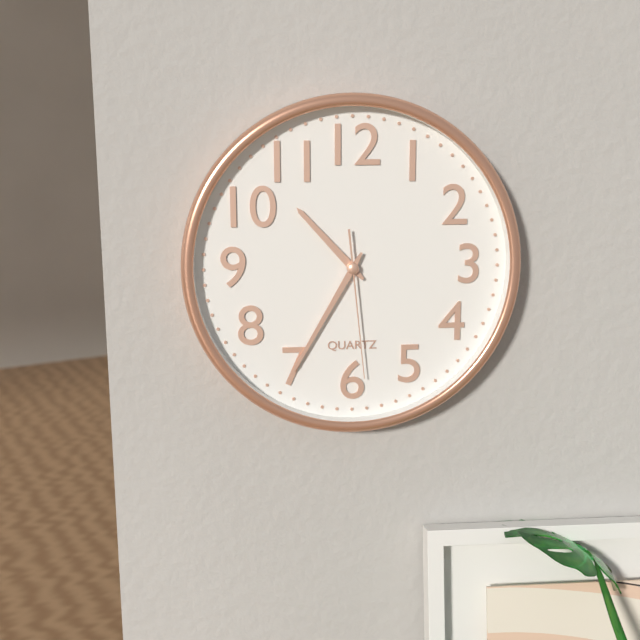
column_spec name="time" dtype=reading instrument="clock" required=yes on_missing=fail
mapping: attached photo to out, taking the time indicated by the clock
10:35:29
